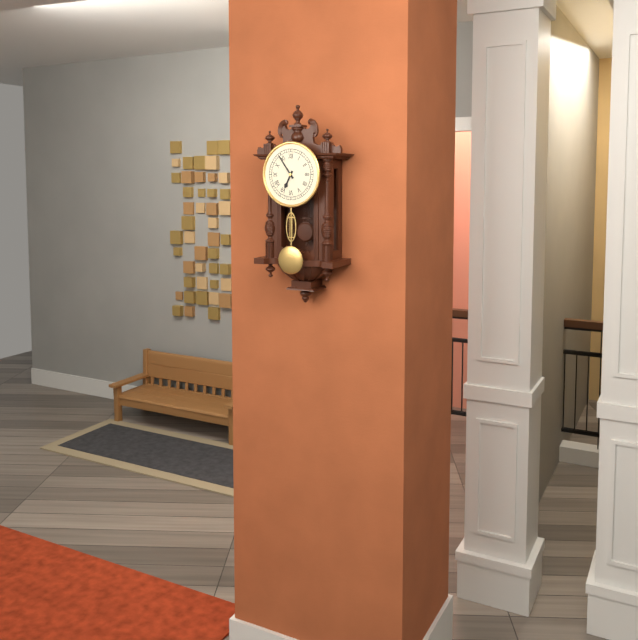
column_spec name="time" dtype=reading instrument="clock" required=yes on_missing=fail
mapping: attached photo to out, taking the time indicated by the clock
6:54
